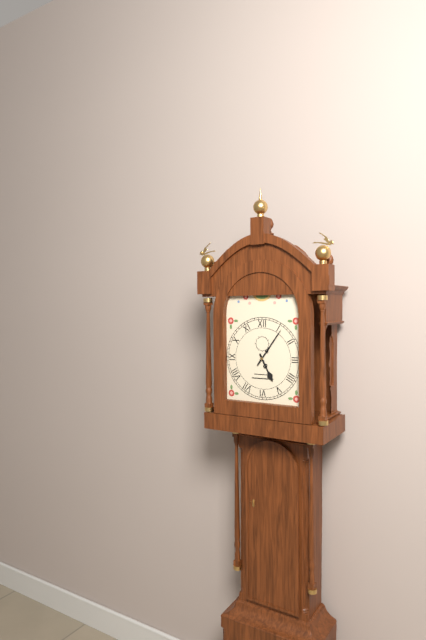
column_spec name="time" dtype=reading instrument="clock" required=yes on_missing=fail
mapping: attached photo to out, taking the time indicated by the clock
5:06
